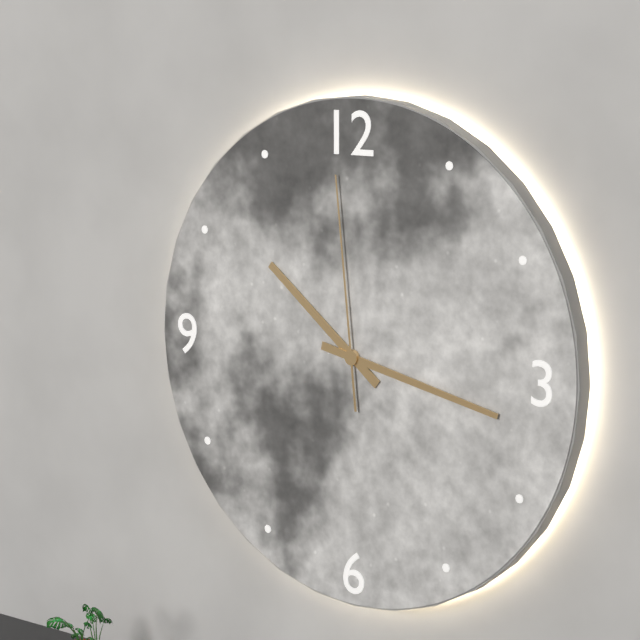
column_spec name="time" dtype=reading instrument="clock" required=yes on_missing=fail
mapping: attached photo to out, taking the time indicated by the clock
10:17:59
